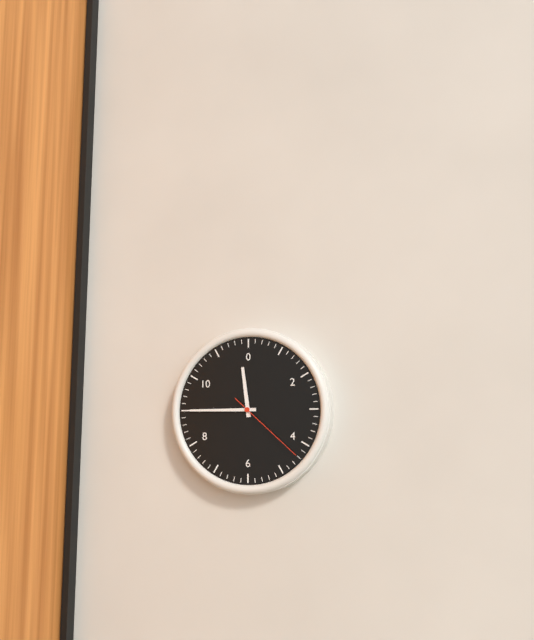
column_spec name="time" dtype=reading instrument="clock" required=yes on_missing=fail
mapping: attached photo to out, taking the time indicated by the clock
11:45:22
